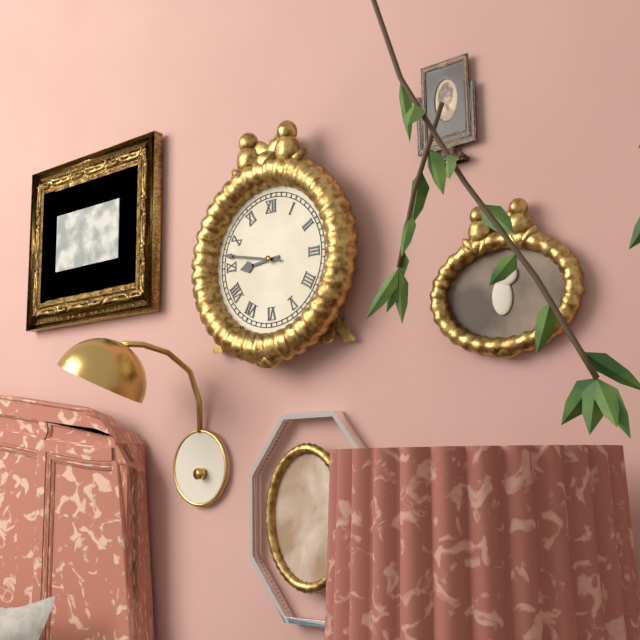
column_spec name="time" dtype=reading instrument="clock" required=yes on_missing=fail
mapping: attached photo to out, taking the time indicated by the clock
8:47
